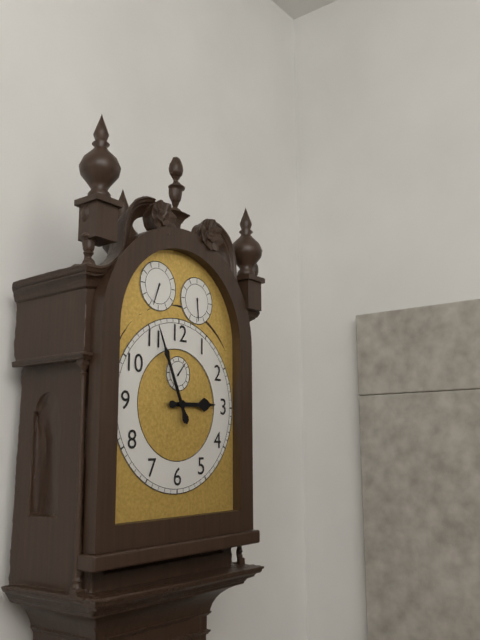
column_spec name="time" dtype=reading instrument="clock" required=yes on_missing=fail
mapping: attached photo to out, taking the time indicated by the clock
2:56
